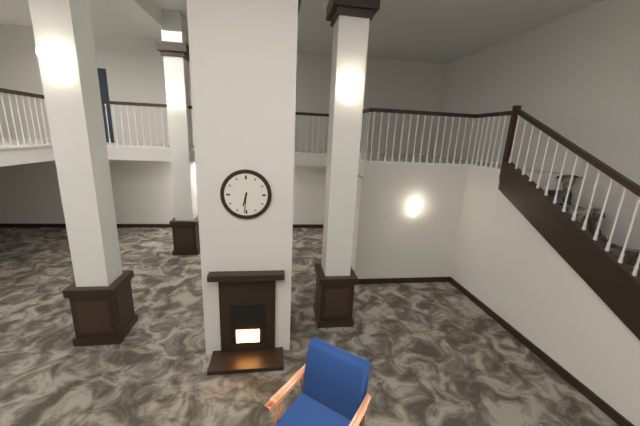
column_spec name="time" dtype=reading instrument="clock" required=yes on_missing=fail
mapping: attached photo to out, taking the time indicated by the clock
6:31
